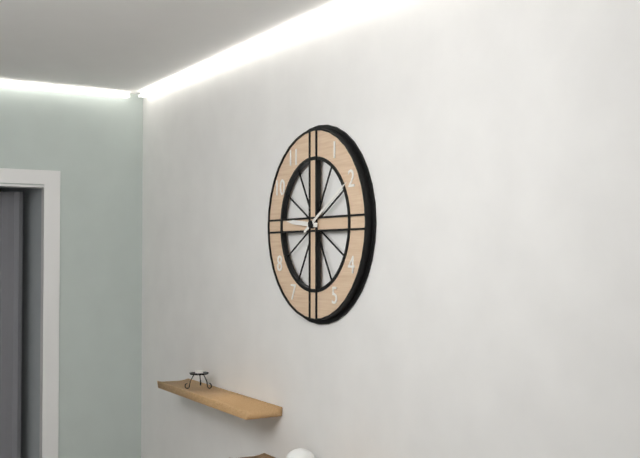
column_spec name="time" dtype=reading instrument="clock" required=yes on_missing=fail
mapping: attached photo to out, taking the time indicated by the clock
9:10
